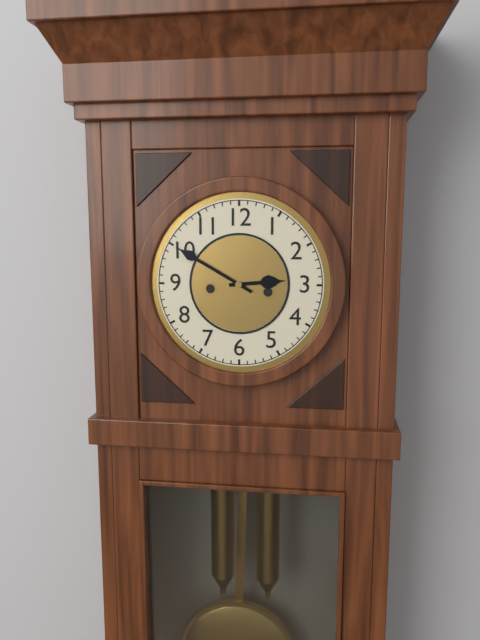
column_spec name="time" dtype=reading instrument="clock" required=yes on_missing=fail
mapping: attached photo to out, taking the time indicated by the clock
2:50
